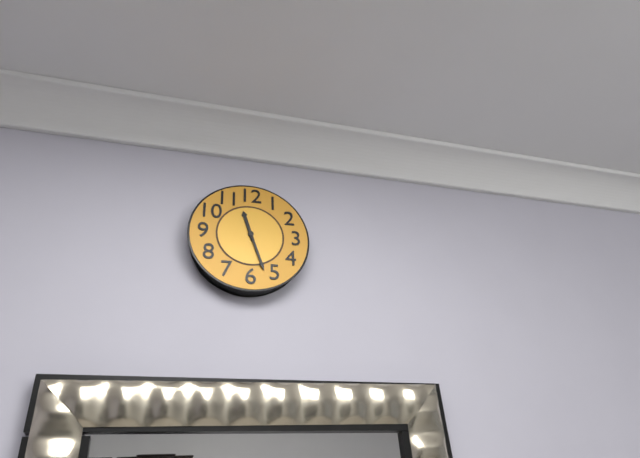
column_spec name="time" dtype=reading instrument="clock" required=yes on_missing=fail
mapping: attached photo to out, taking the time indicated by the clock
11:27
